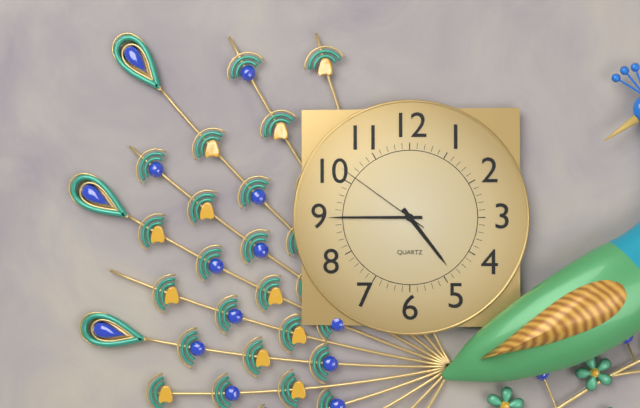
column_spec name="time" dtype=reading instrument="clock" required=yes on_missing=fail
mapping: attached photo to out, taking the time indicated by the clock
4:45:51
